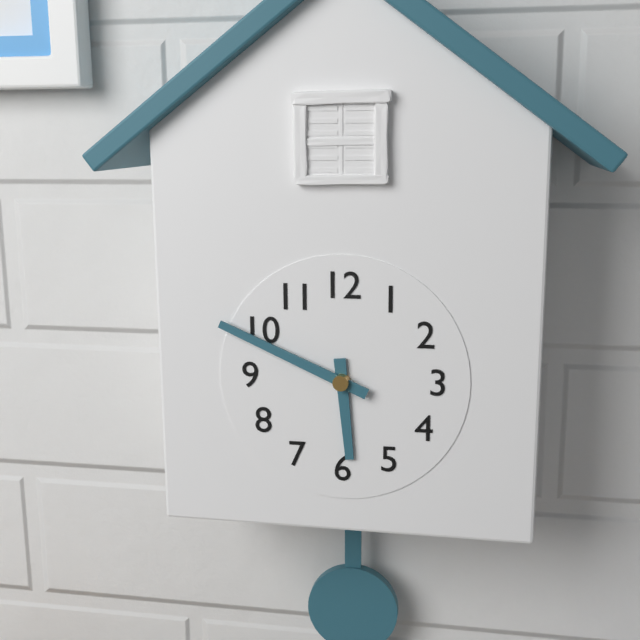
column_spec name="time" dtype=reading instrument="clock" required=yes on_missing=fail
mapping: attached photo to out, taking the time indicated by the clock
5:49
